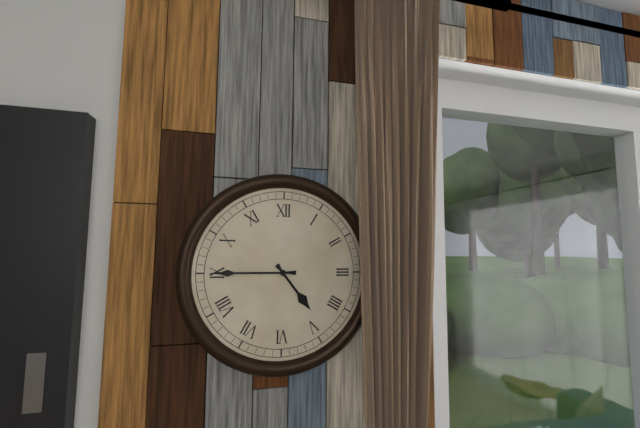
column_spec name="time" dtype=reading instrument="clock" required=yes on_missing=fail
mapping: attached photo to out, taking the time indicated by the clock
4:45
